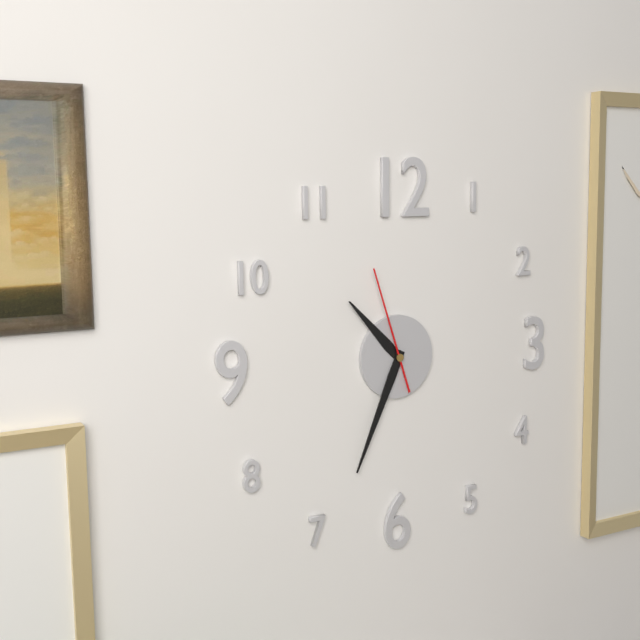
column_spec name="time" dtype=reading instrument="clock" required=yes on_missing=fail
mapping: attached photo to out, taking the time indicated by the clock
10:34:57
